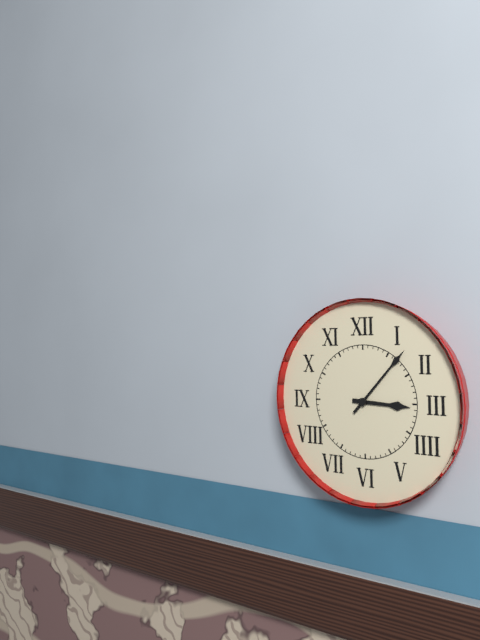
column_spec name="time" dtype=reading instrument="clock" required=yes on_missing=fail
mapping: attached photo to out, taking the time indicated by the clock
3:07
